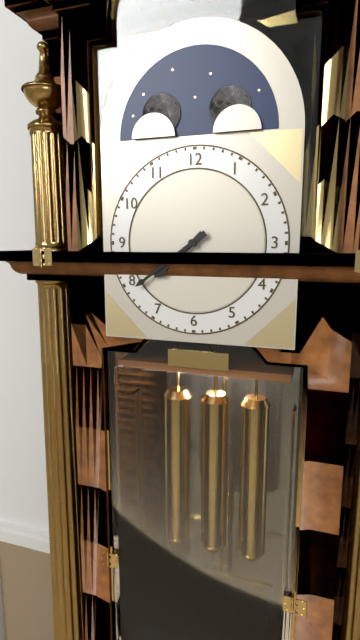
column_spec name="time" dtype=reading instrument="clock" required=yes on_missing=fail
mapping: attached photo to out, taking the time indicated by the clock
7:39
